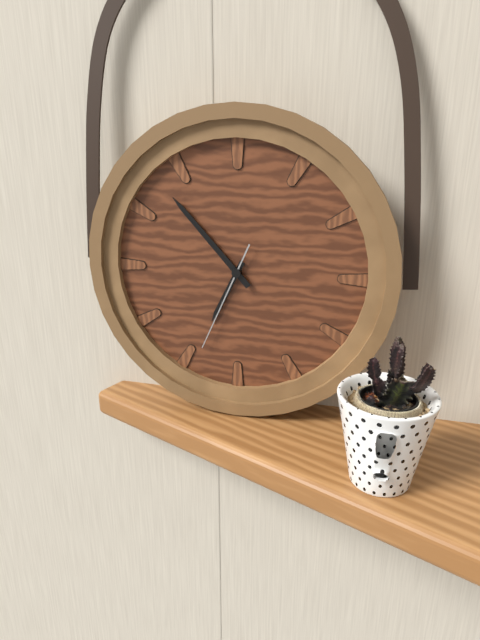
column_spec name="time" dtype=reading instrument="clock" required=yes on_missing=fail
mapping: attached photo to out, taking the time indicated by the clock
6:53:34
